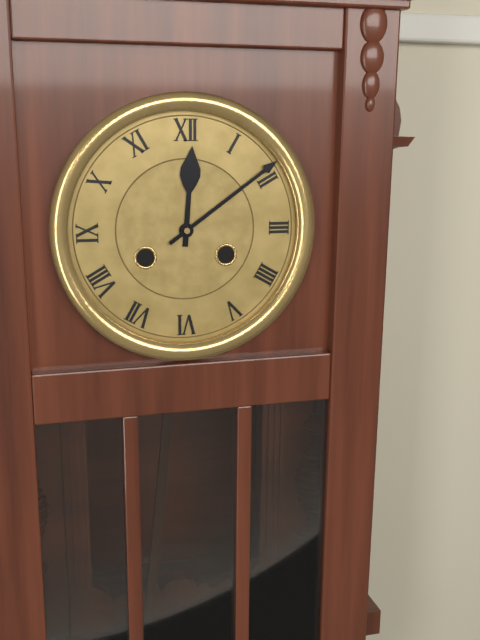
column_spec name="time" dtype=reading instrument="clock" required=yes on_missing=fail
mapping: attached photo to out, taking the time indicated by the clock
12:09
